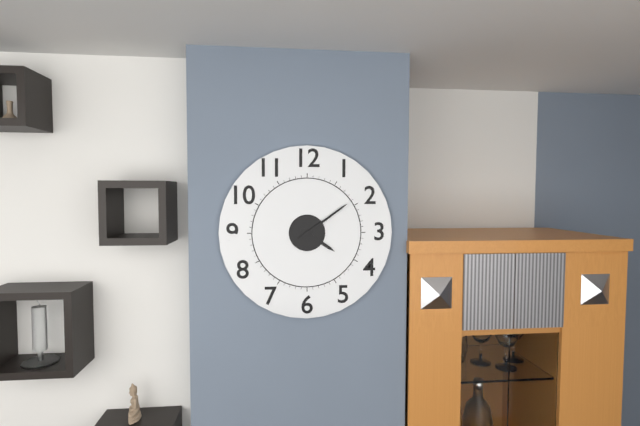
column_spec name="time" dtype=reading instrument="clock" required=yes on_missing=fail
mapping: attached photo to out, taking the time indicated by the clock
4:09
